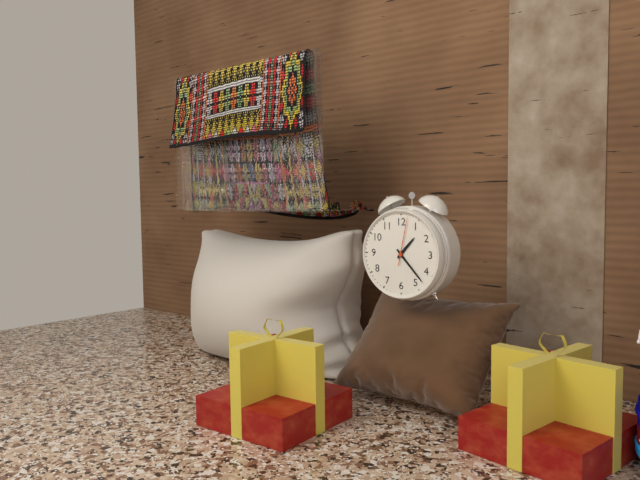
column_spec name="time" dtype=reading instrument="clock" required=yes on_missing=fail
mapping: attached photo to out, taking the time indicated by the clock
1:23
